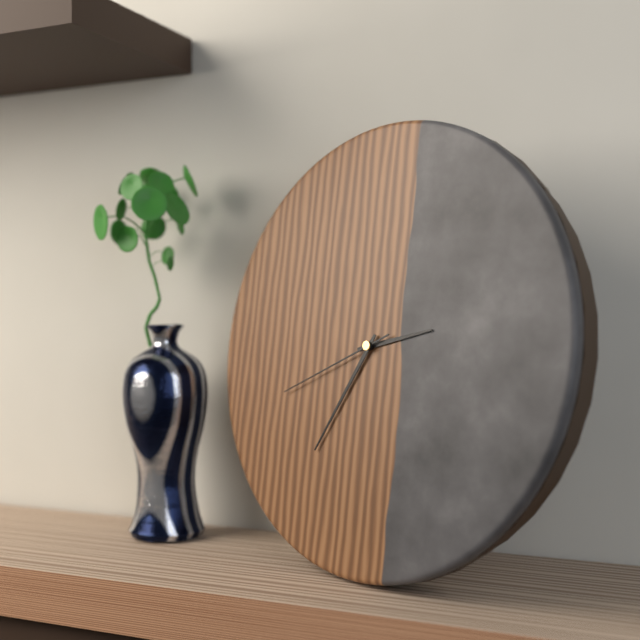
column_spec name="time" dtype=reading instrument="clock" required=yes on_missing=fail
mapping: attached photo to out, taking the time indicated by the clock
2:35:41
